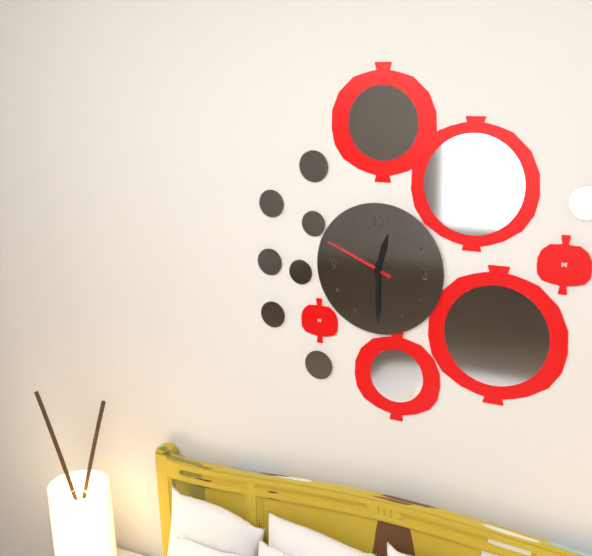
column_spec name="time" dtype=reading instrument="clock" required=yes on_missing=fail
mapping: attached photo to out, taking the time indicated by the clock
12:30:49
